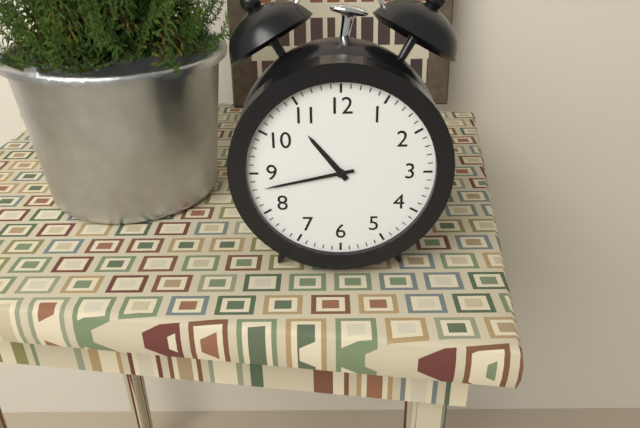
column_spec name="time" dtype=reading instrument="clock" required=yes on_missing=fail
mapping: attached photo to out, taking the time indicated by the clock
10:43
